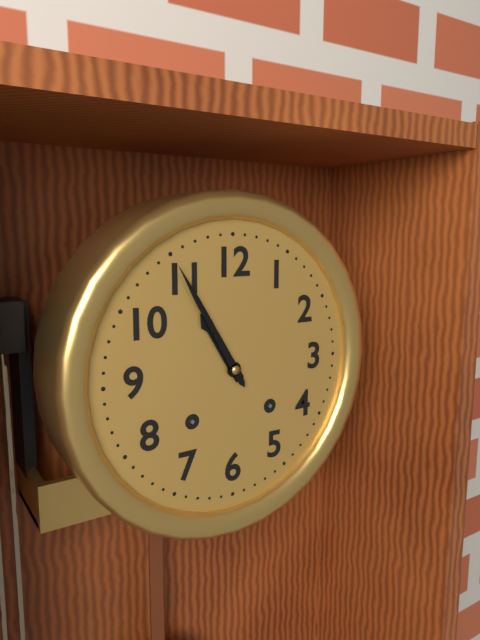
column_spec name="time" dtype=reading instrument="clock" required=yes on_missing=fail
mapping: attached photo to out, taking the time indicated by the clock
10:55
